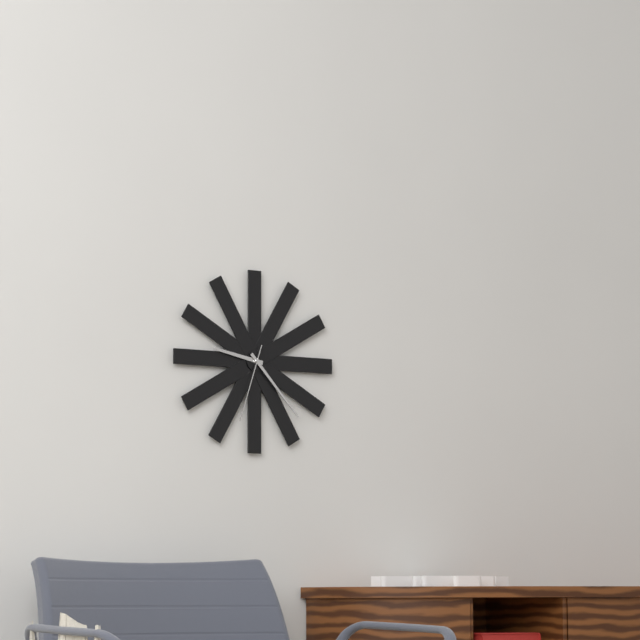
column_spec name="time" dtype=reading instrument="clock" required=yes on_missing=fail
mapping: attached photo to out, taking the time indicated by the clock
9:23:33
